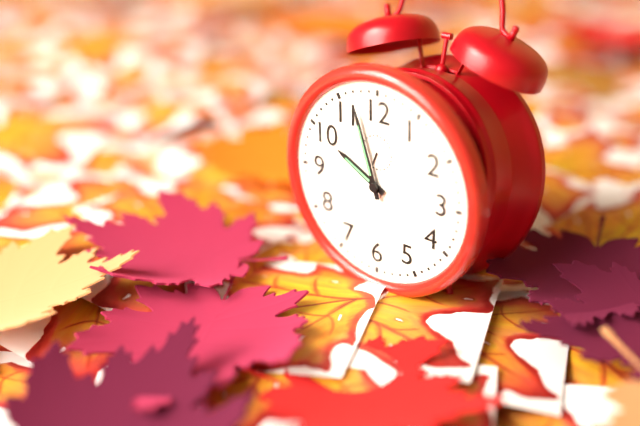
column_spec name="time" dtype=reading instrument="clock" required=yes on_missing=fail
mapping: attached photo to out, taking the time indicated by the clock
9:57
